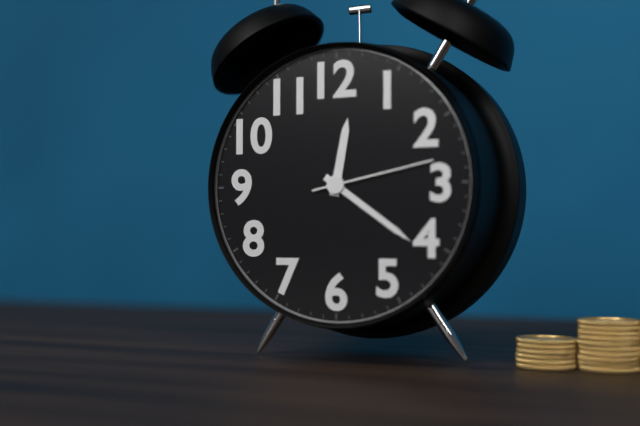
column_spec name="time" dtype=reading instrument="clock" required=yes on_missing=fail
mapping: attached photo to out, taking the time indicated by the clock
12:21:13
